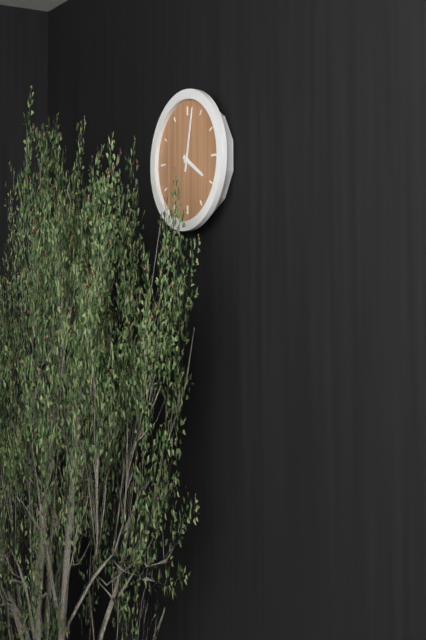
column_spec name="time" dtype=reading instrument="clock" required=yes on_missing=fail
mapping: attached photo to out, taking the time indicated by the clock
4:02
